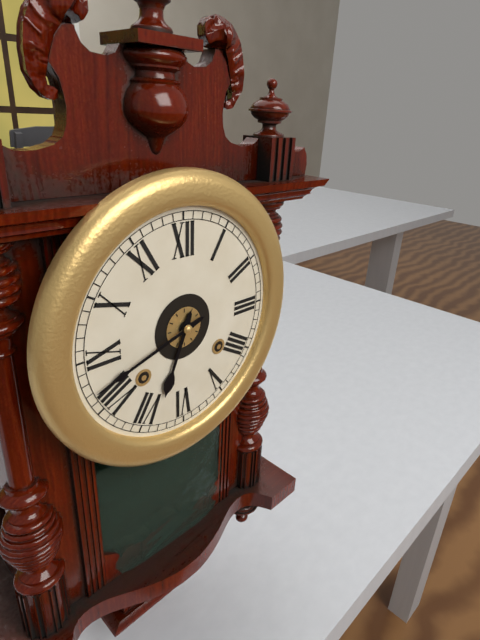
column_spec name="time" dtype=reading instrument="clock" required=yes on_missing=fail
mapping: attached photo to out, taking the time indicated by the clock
6:42
